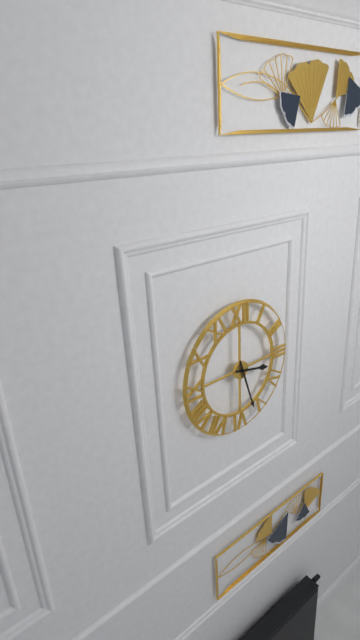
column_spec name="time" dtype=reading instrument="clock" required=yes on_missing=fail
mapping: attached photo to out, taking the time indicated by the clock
3:27
